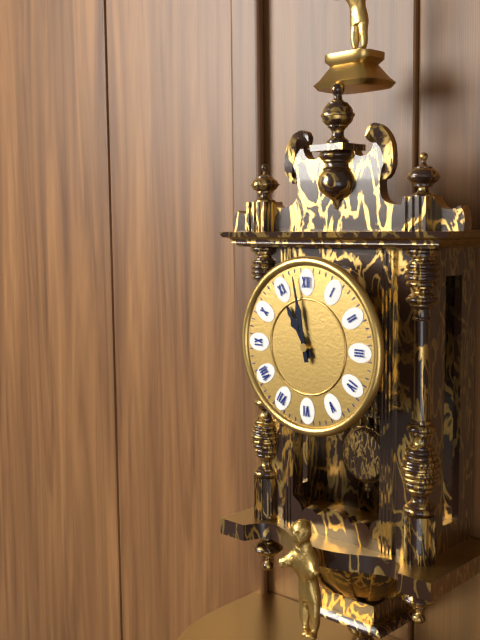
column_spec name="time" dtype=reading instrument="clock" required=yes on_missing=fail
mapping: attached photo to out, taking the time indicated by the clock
10:58
